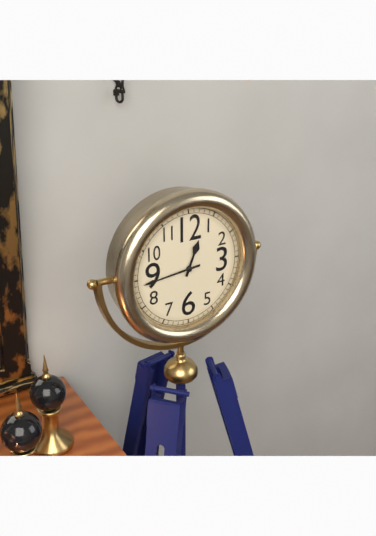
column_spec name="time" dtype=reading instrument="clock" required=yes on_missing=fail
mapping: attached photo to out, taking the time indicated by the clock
12:44
